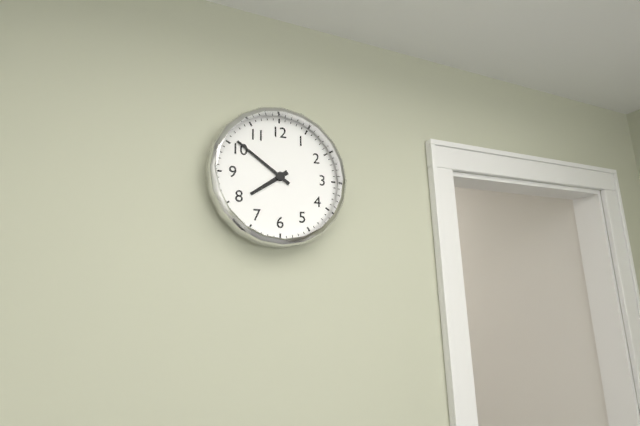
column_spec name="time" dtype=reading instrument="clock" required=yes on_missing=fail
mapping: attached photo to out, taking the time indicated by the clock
7:51
